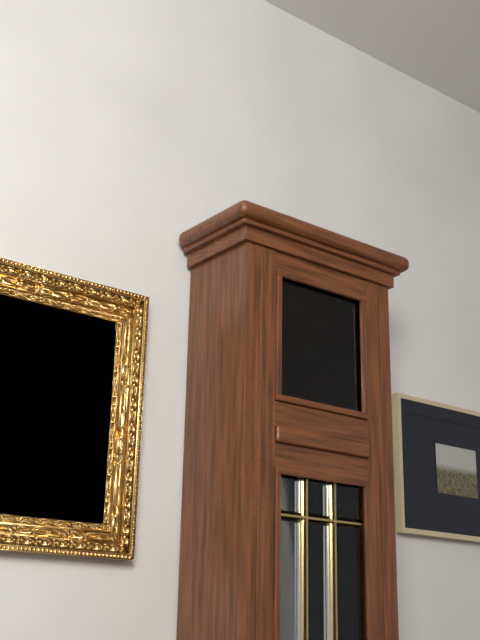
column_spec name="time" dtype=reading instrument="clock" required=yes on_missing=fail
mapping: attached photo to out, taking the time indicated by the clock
1:58
